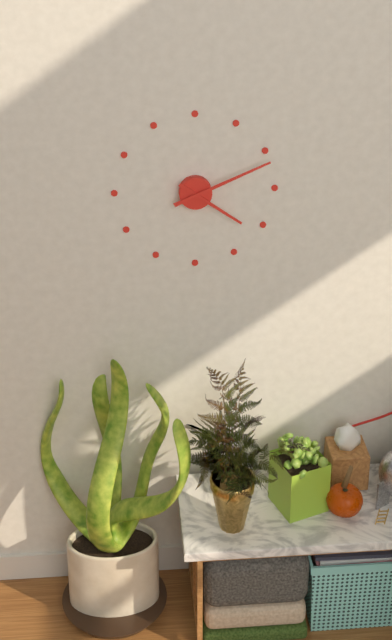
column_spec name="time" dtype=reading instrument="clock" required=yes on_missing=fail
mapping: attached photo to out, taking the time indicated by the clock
4:11
